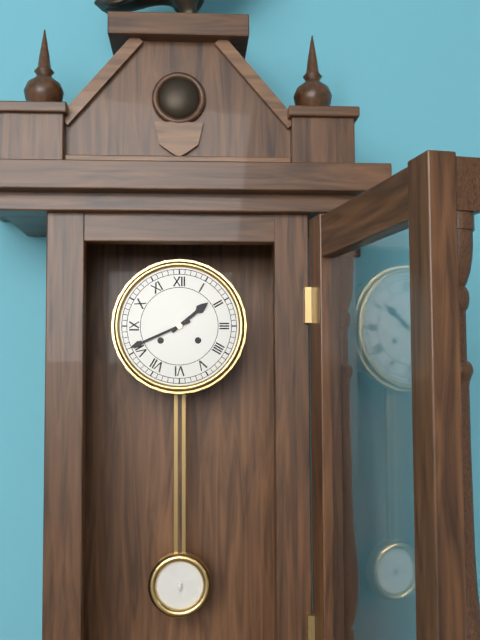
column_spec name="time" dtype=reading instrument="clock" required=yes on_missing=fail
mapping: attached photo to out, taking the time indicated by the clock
1:41
